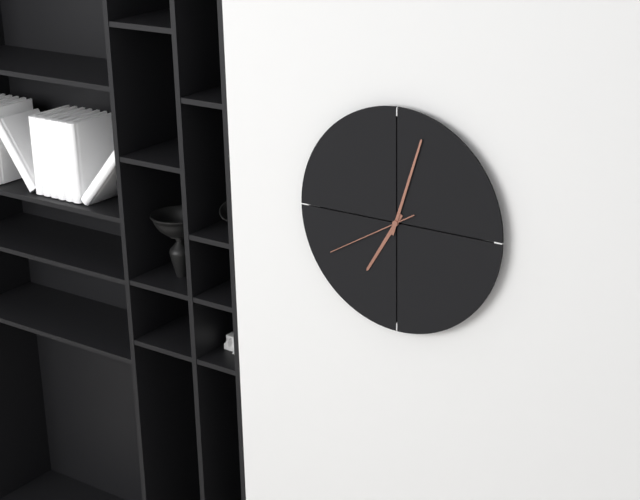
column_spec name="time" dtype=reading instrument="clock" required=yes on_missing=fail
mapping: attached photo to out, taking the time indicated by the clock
7:03:40
